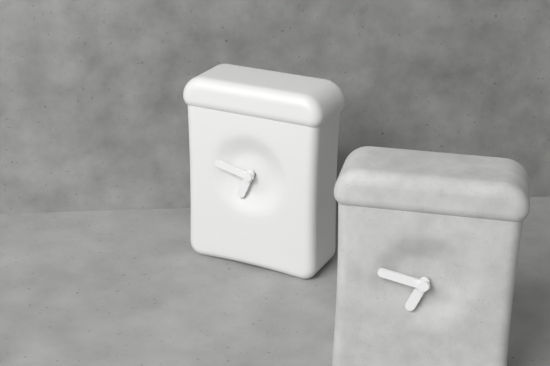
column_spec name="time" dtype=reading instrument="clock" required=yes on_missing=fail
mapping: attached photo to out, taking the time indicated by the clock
6:47
